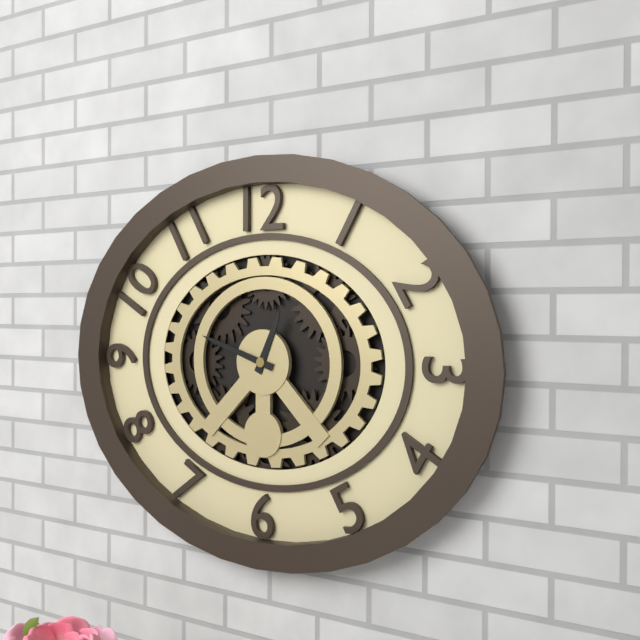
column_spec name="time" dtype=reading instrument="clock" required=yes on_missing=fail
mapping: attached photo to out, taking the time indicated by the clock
12:48
